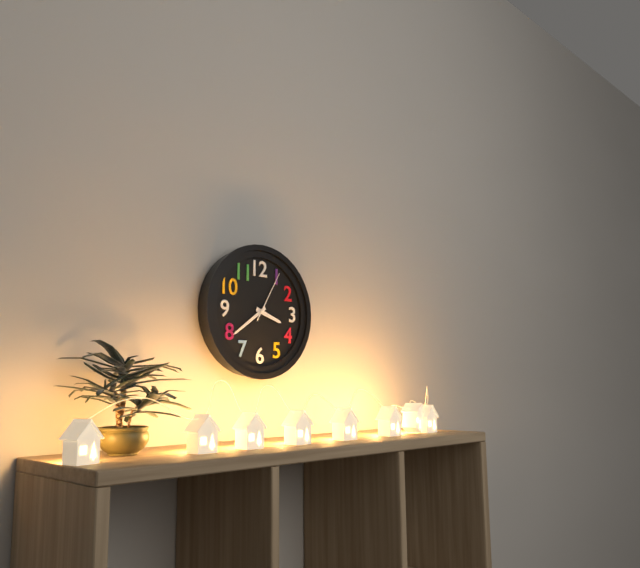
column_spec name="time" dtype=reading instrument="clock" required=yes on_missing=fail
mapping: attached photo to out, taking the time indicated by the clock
3:39:05
